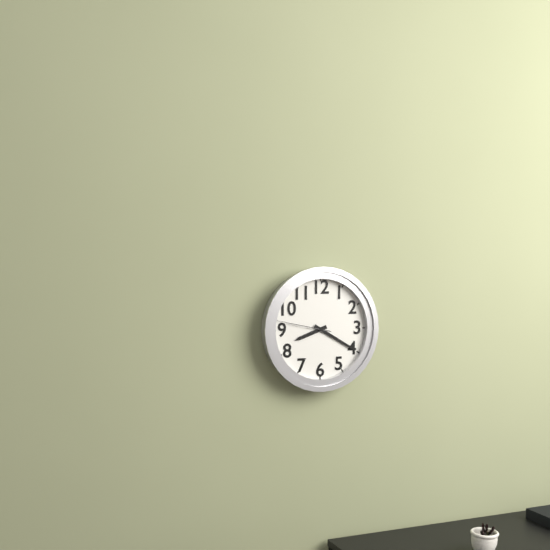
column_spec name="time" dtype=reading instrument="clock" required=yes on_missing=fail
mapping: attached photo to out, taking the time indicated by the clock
8:20
